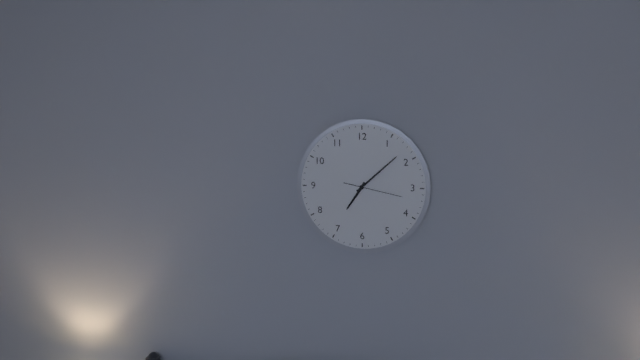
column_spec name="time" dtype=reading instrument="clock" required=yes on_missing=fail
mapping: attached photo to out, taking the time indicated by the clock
7:08:17
